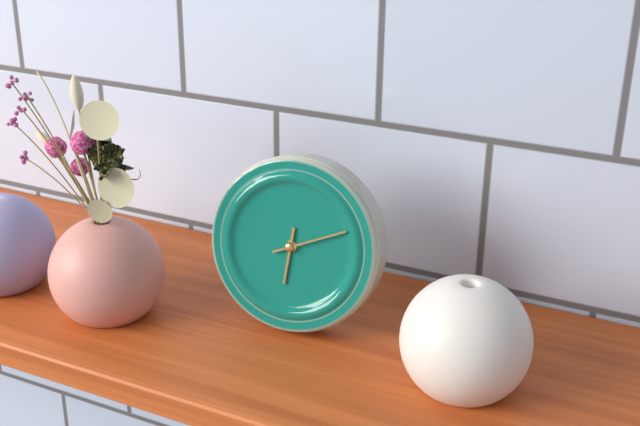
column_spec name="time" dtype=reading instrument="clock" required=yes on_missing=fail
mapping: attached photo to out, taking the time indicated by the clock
6:11
